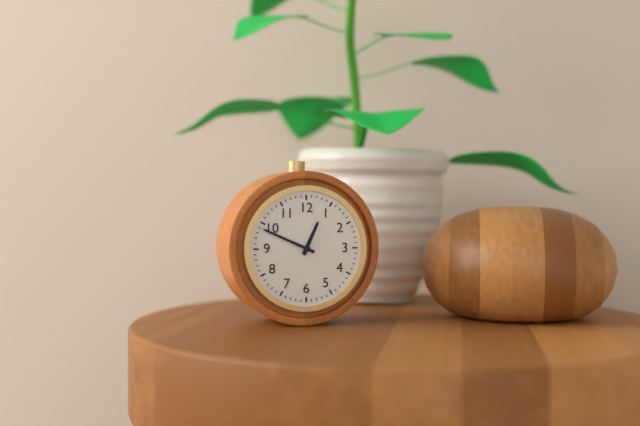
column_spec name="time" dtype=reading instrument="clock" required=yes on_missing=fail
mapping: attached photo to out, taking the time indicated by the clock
12:49
